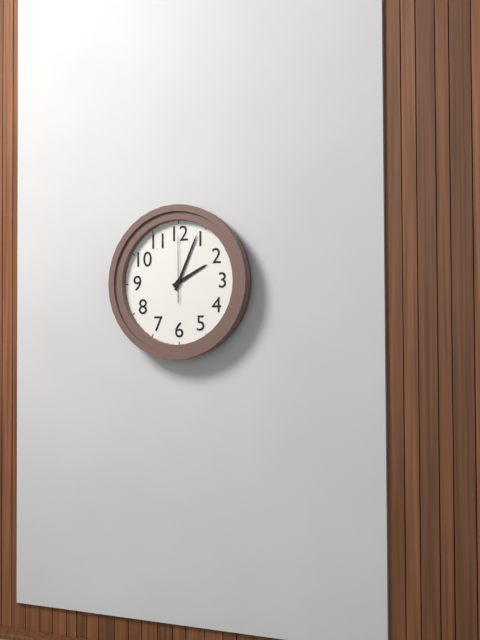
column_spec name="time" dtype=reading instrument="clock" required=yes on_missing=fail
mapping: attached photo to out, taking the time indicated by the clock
2:04:00
